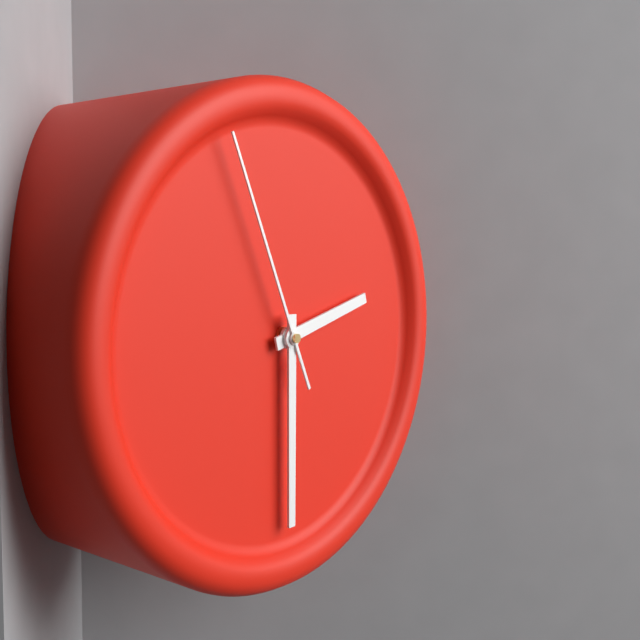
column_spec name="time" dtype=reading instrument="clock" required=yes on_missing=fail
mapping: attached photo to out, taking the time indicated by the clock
2:30:56
